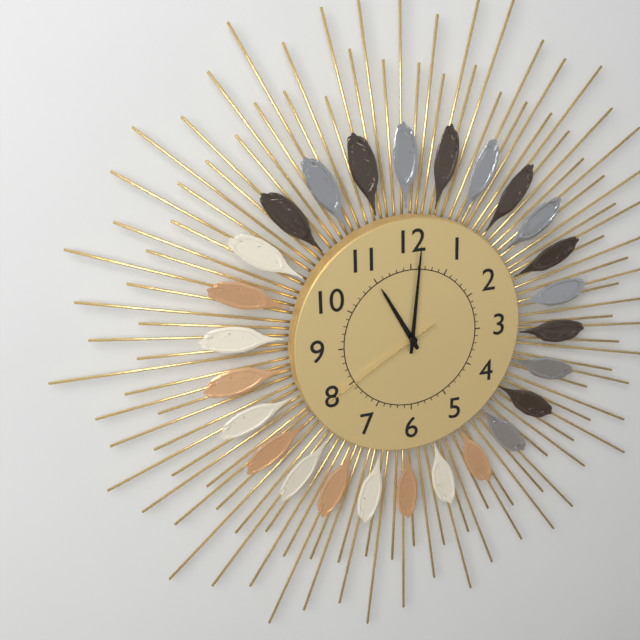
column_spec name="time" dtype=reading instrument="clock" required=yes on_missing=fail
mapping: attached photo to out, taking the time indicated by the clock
11:01:40
